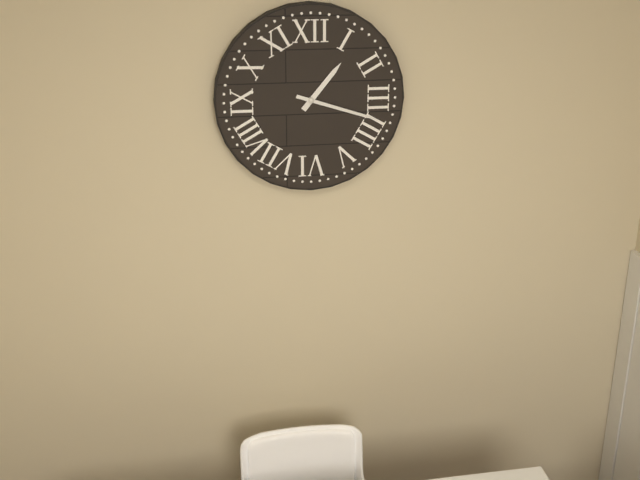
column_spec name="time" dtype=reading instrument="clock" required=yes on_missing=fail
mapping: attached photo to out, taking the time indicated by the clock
1:18
